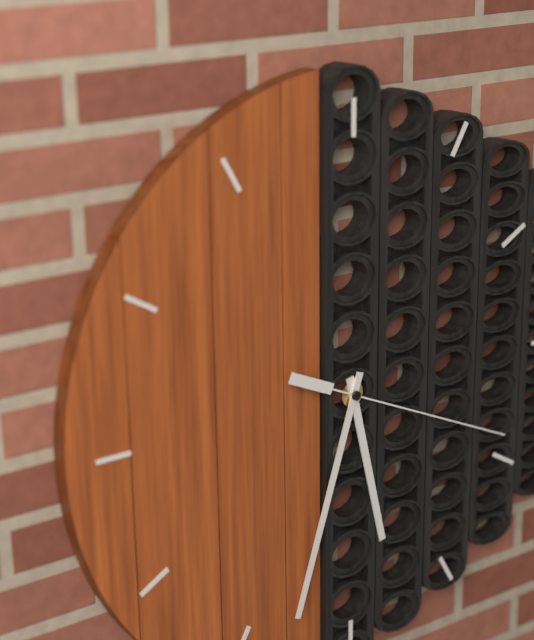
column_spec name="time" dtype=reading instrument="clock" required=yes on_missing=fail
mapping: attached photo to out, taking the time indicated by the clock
5:33:19
